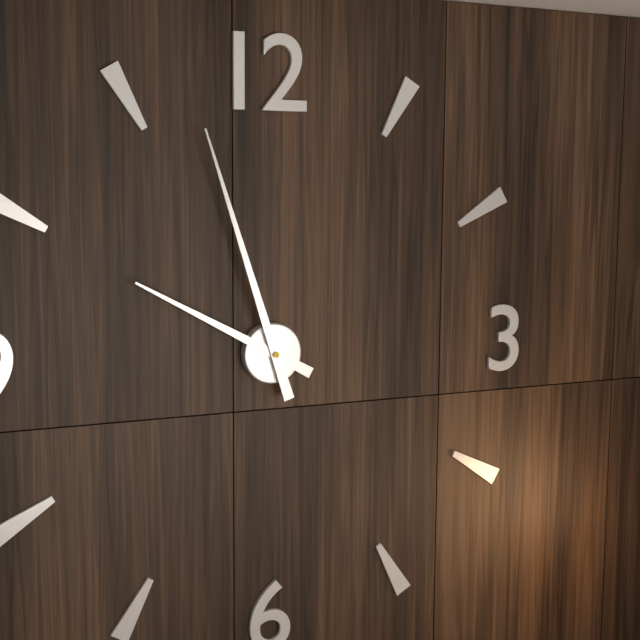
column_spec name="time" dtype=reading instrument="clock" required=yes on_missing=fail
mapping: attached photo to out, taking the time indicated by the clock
9:57
